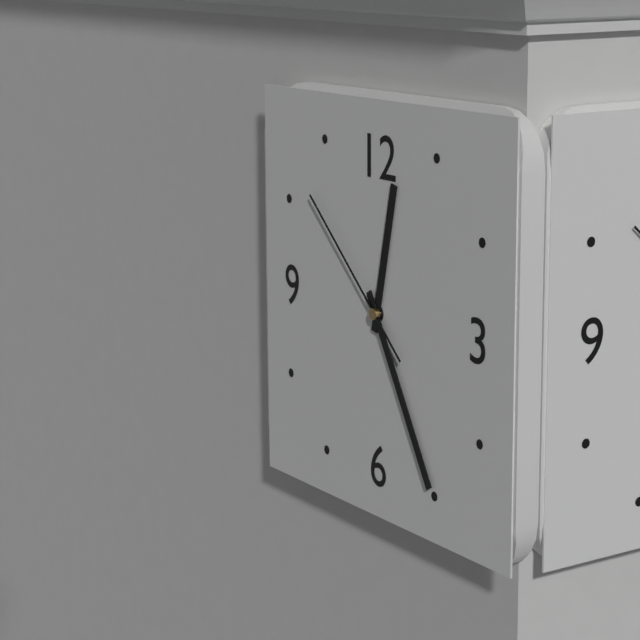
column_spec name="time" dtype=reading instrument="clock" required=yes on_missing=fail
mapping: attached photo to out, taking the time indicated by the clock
12:25:52
